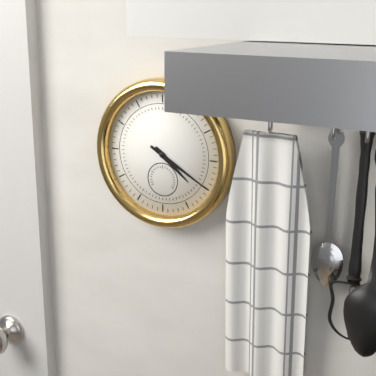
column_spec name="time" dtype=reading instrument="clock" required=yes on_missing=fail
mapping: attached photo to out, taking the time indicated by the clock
4:20
